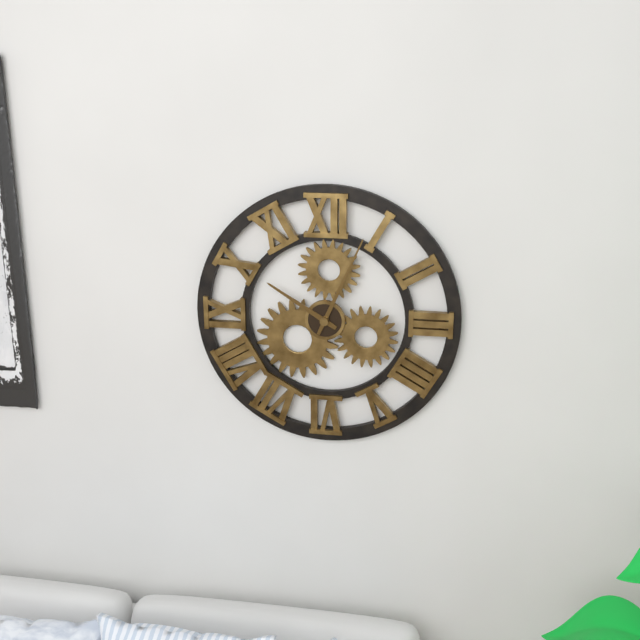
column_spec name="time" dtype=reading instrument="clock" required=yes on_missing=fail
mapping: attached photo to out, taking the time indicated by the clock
10:04
